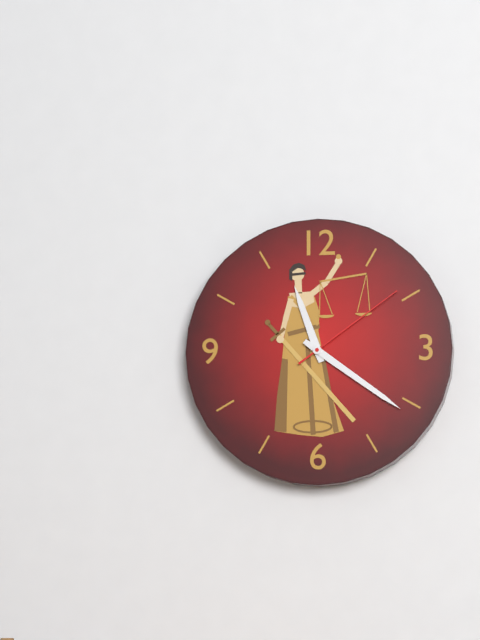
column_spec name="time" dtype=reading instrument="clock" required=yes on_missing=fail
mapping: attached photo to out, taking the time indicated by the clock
11:21:09
